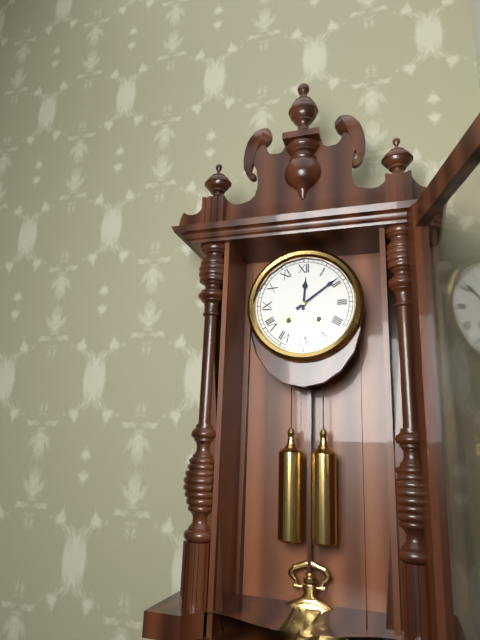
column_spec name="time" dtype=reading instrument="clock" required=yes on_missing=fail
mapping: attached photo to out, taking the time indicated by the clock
12:09
